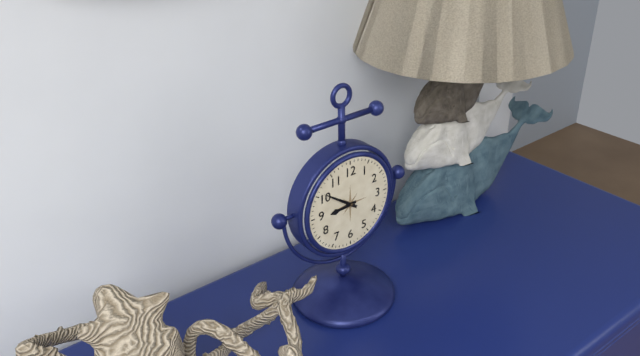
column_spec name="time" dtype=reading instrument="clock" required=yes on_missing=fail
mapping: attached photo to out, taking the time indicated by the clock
8:51
